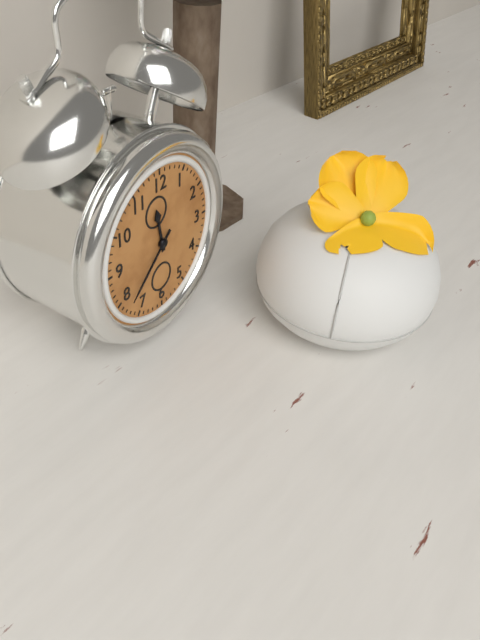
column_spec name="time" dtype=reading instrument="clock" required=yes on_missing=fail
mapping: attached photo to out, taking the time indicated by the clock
11:38
